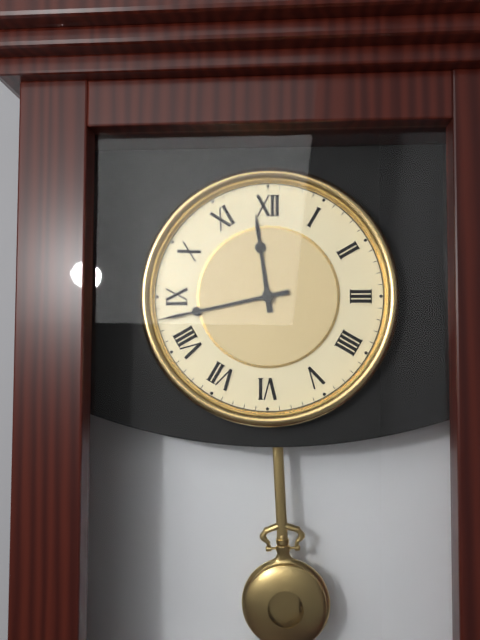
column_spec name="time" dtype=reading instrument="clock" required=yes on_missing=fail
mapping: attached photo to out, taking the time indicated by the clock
11:43
